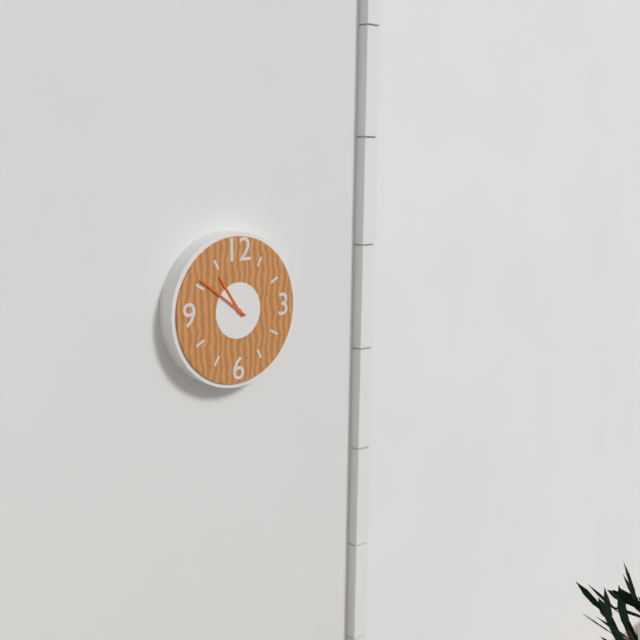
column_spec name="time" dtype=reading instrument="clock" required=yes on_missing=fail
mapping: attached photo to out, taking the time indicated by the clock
10:51
